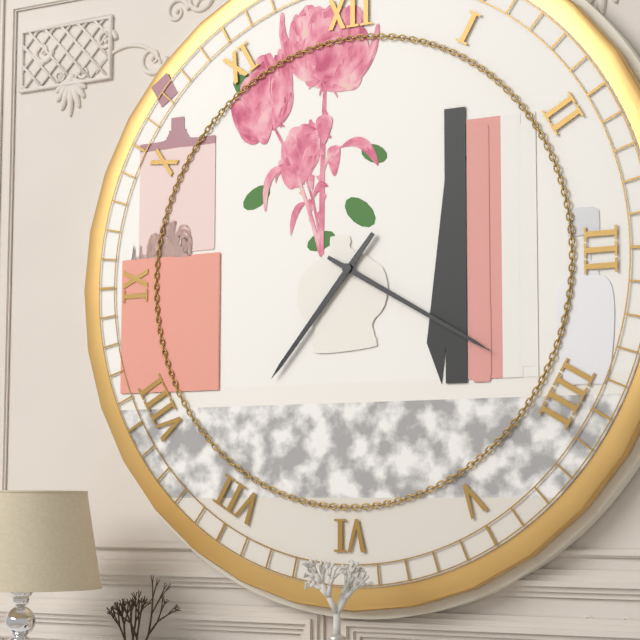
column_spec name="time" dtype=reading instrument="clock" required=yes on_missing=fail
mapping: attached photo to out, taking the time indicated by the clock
7:20
